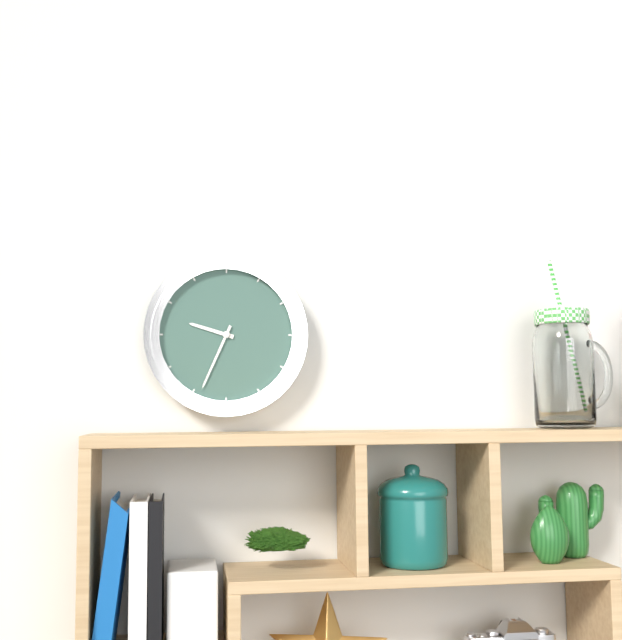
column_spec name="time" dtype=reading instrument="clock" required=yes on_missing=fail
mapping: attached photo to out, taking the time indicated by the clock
9:34
